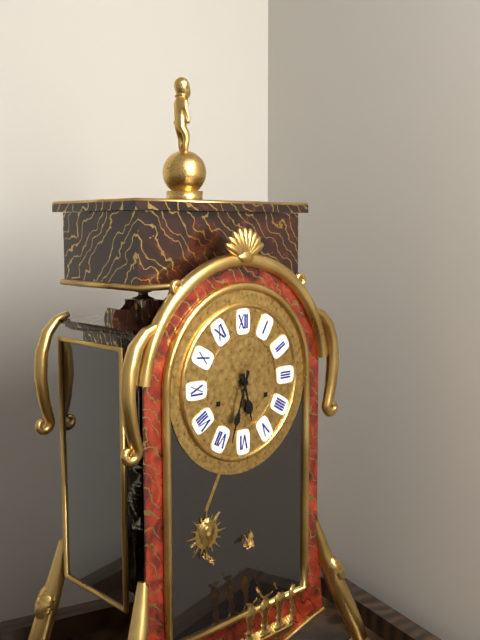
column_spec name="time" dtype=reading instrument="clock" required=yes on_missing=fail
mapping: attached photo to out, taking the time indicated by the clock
5:33
